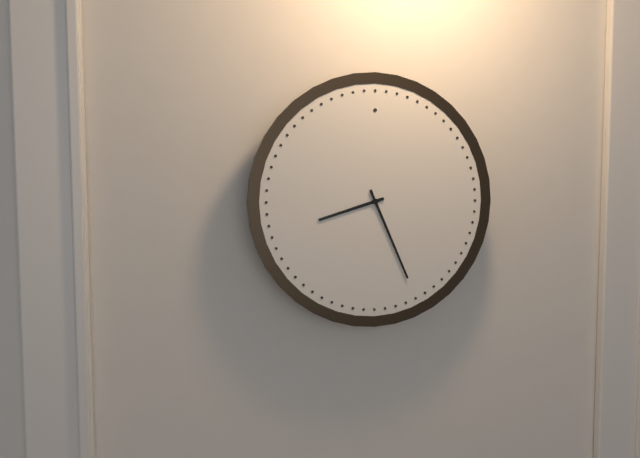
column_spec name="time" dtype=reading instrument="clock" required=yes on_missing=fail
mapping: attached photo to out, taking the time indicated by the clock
8:26
